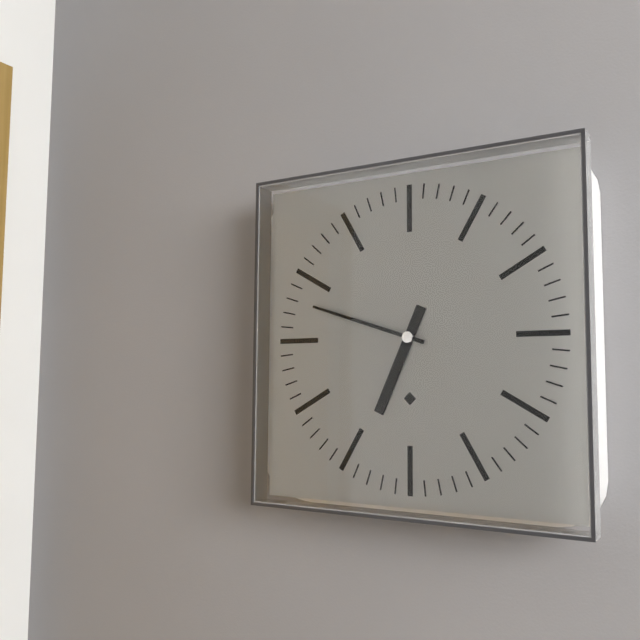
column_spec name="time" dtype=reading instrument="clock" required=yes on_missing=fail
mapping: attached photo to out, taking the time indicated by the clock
6:48
